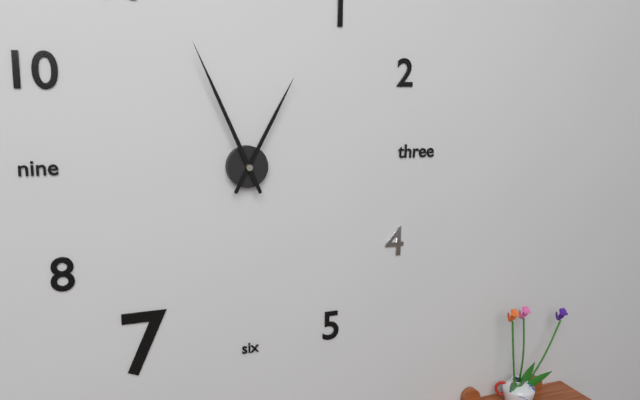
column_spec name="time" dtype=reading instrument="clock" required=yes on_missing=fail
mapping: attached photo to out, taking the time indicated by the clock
12:56
